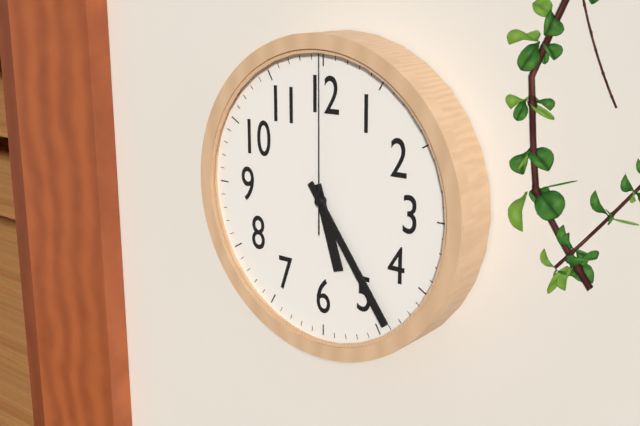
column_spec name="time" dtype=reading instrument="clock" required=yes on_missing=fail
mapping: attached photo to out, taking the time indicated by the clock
5:24:00
